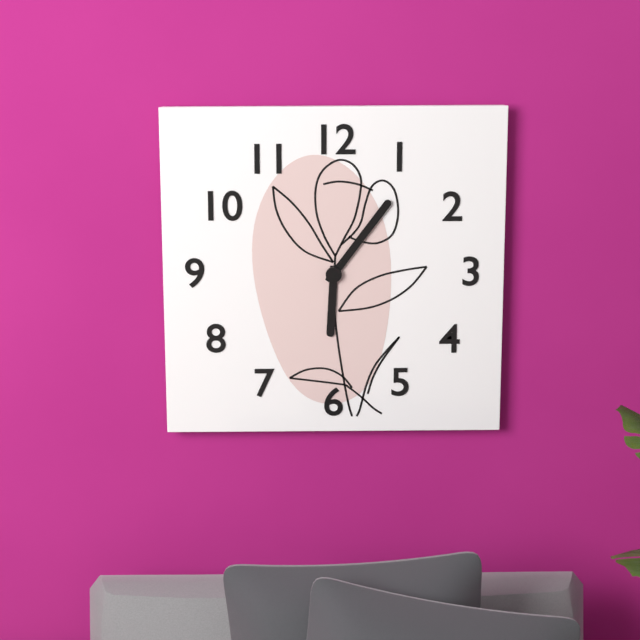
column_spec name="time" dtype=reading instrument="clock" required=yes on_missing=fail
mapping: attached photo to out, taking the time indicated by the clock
6:06
